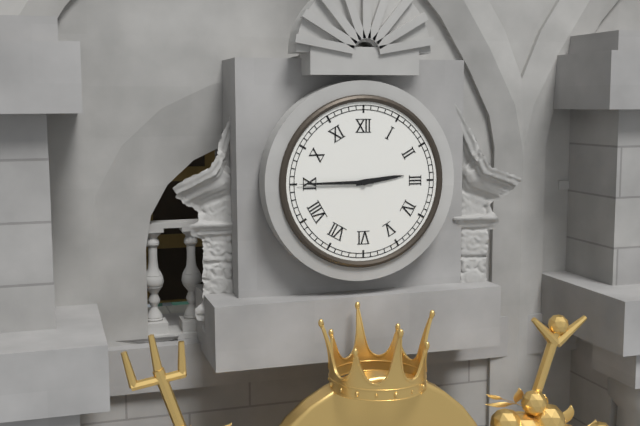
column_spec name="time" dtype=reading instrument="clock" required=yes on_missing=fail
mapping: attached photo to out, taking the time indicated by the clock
2:45
